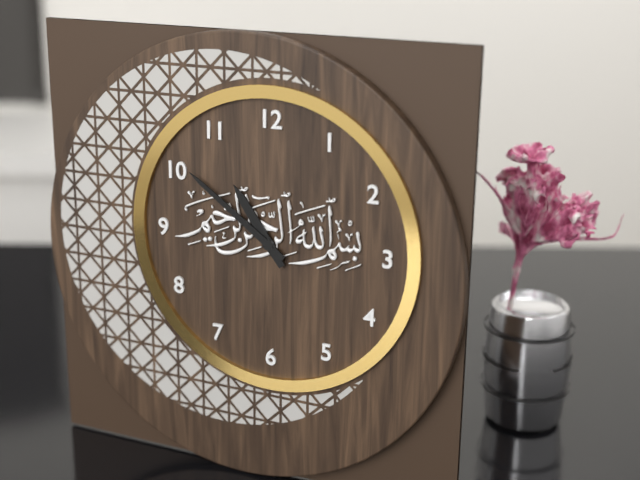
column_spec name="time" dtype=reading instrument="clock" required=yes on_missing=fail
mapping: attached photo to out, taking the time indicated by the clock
10:51
